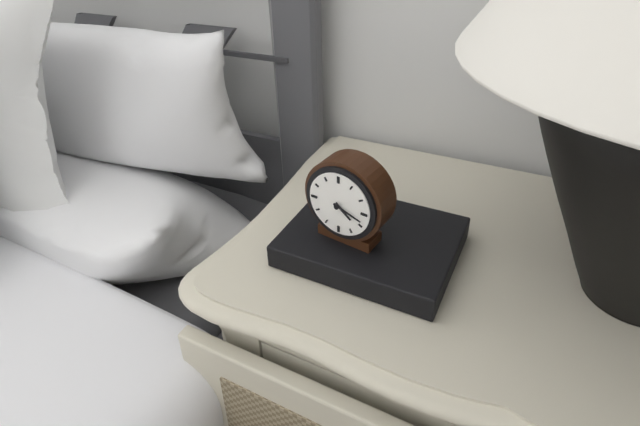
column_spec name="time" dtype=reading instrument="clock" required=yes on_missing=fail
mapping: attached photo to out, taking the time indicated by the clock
4:18
